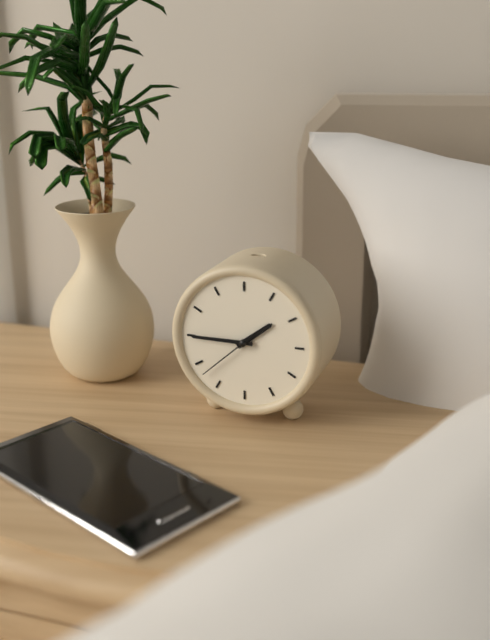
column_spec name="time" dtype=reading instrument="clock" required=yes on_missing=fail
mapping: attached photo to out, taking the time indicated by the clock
1:45:38
